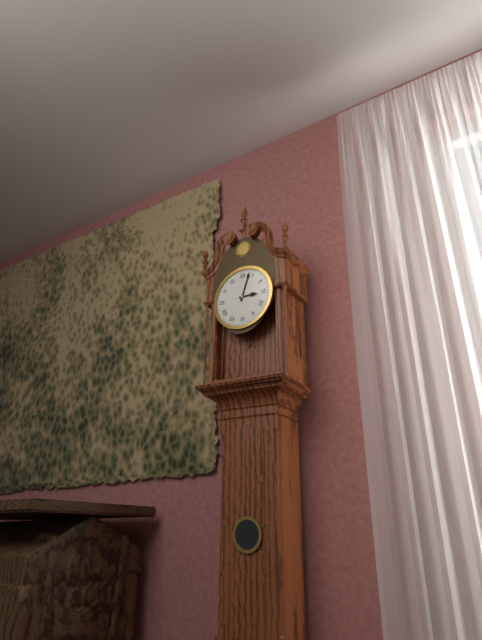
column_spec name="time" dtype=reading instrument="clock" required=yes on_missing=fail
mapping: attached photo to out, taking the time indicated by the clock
3:03
